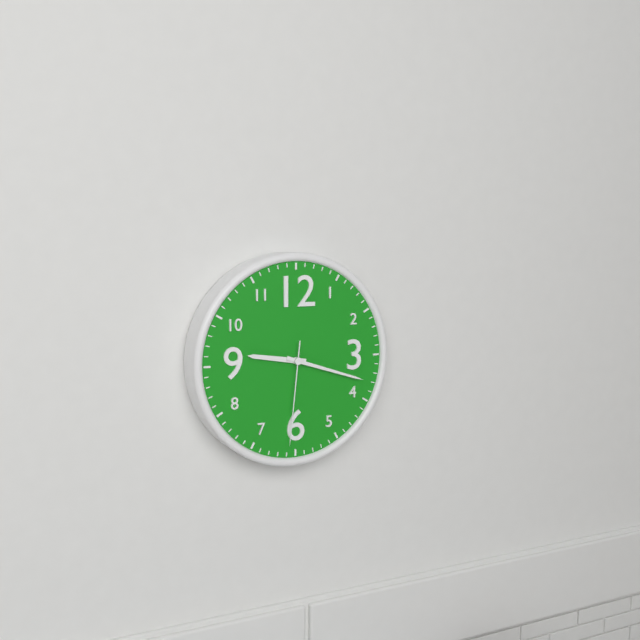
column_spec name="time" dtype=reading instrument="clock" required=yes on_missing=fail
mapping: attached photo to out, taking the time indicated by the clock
9:18:31
